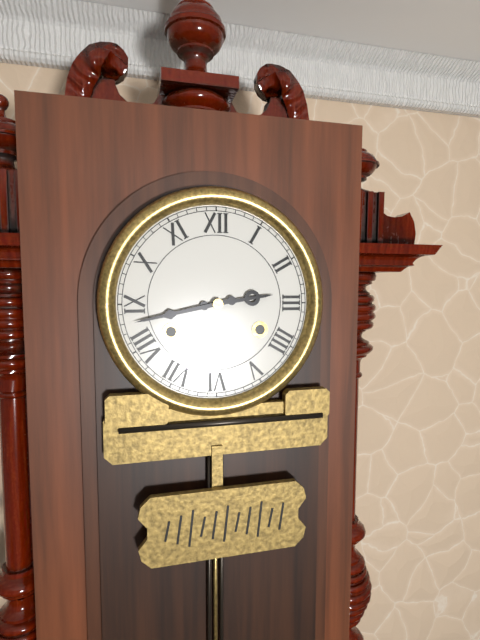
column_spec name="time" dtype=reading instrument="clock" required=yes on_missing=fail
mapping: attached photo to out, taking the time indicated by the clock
2:43
